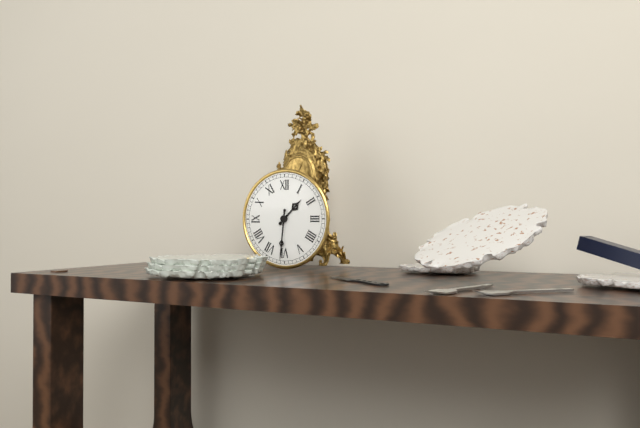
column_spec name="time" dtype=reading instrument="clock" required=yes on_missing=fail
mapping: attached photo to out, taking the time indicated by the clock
1:31
